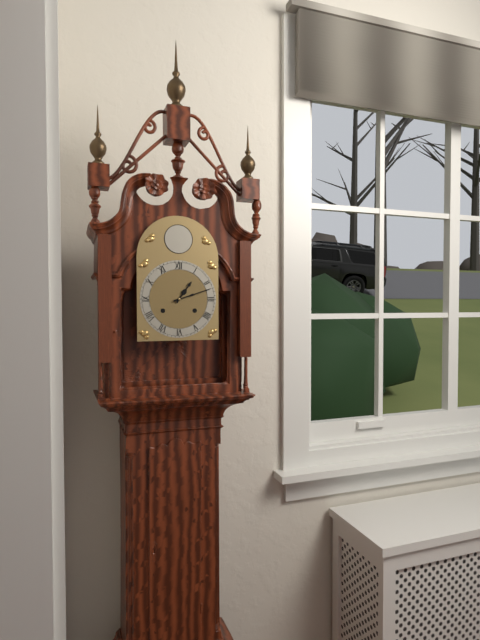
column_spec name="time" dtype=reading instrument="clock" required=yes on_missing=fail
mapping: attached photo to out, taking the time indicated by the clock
1:12
